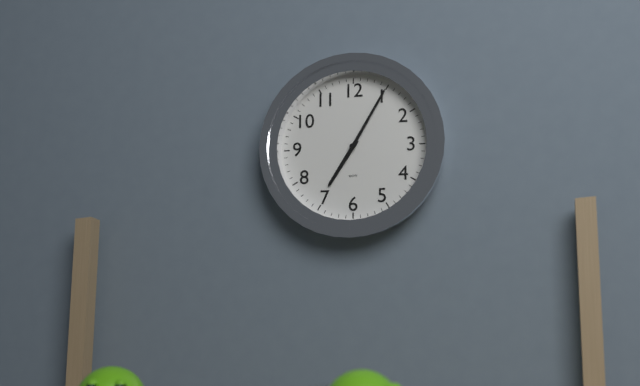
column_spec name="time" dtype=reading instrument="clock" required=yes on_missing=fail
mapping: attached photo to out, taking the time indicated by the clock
7:05
